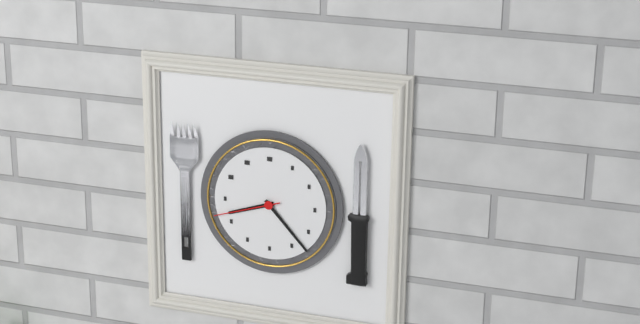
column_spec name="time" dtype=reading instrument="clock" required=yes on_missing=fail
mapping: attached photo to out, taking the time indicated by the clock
8:23:42
